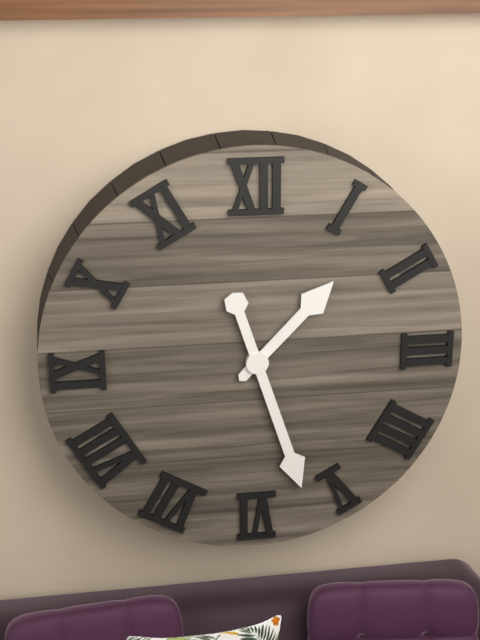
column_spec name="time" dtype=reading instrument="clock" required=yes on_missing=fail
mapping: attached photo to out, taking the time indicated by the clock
1:27
